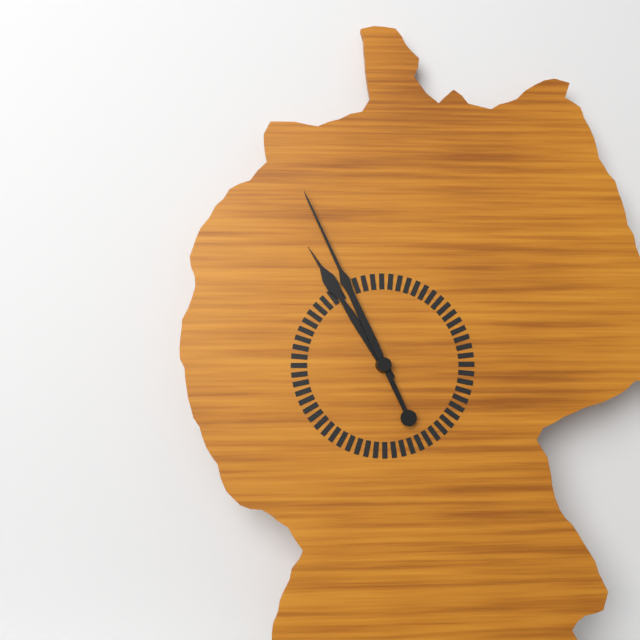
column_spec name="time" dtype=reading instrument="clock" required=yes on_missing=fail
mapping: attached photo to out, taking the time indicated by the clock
10:56
